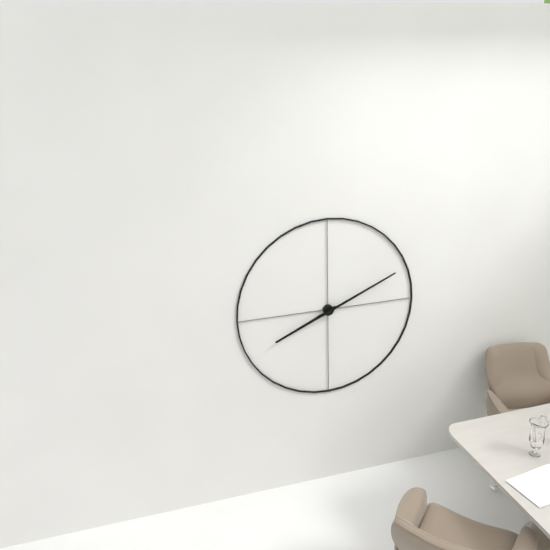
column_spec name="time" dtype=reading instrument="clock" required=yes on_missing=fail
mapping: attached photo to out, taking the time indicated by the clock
8:11
